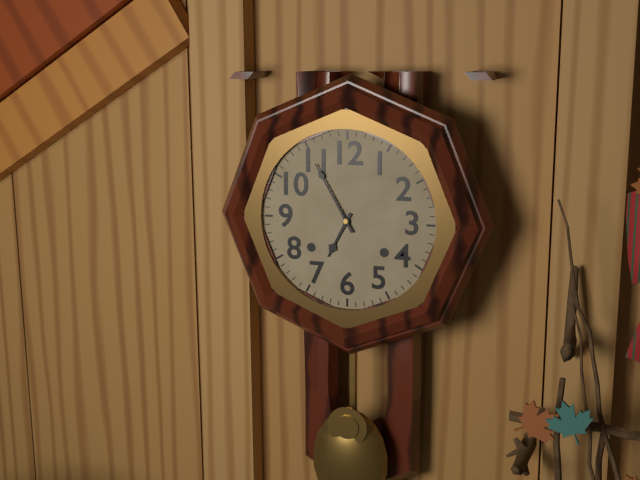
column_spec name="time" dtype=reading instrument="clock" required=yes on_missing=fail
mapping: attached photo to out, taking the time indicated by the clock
6:55
